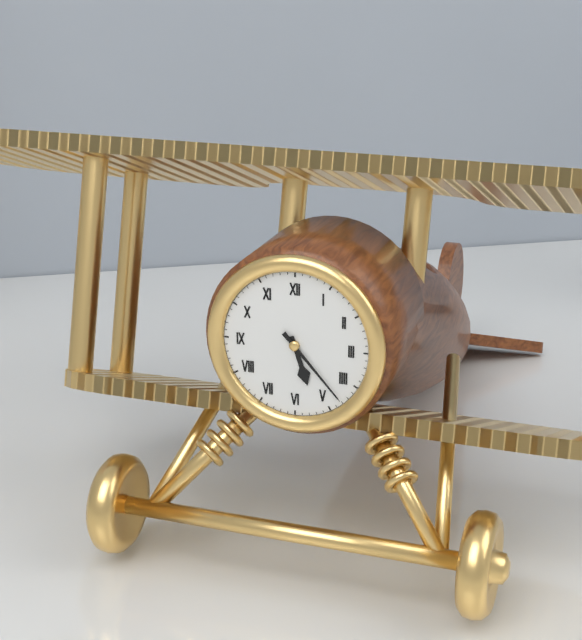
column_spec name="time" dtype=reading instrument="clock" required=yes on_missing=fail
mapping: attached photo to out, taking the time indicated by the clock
5:23
